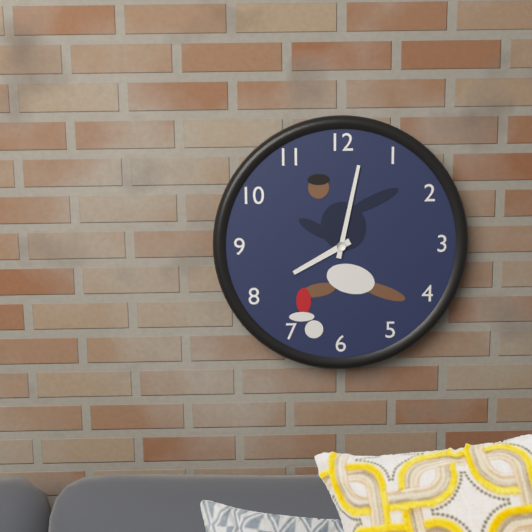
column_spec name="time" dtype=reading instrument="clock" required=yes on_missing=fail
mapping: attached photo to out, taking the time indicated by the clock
8:02
